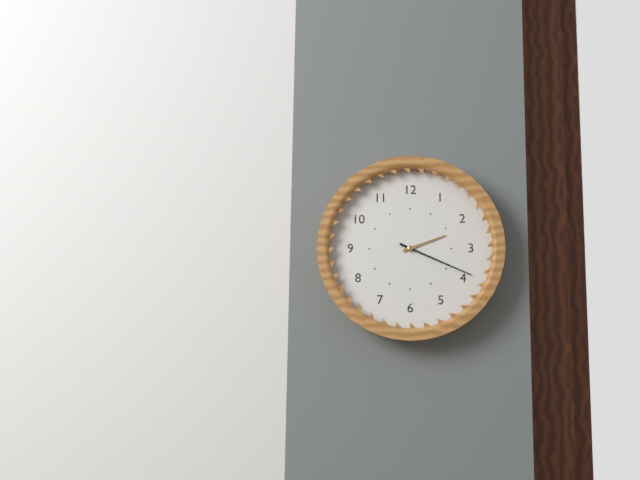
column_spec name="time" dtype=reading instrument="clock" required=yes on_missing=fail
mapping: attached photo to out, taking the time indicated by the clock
2:19
